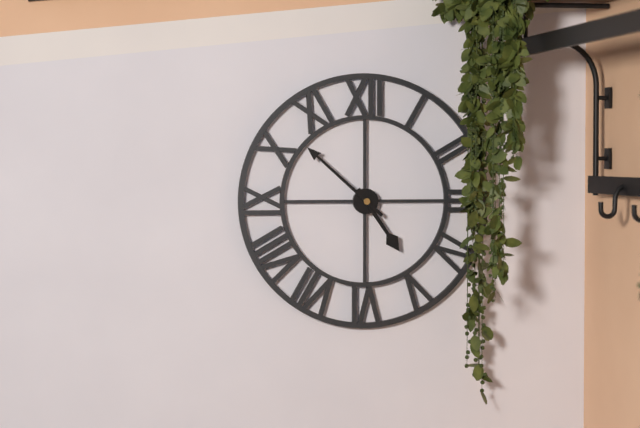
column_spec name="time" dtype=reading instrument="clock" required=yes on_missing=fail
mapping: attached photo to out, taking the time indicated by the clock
4:52
